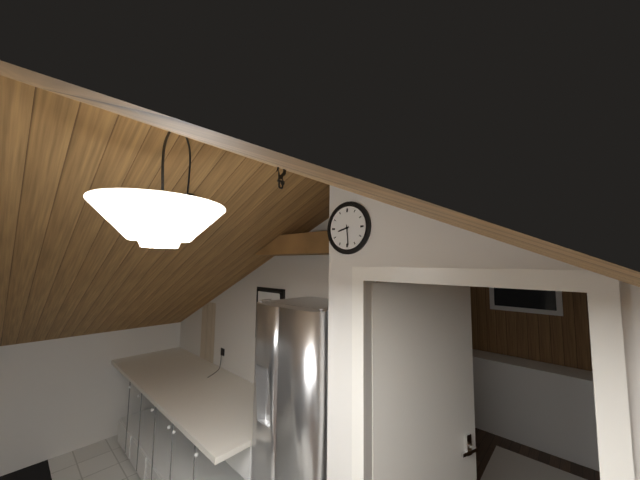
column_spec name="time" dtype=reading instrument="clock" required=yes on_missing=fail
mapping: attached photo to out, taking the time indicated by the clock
8:29
